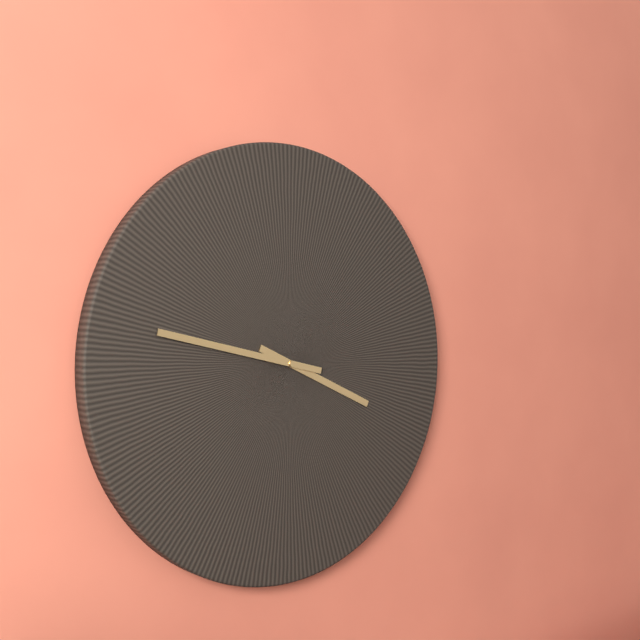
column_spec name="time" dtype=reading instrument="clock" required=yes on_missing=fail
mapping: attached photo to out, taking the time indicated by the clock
3:47
